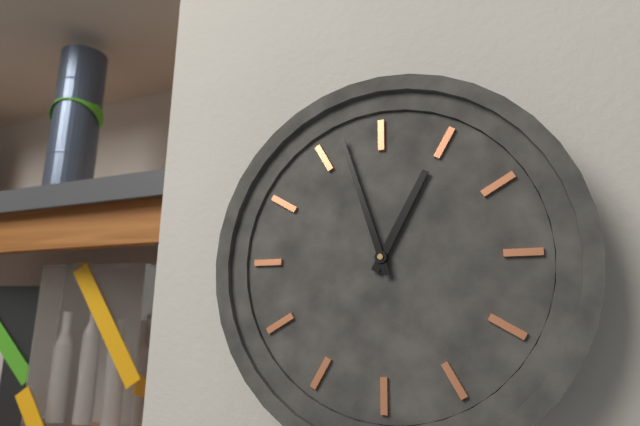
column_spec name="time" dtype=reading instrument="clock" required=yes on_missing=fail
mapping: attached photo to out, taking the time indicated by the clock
12:57
